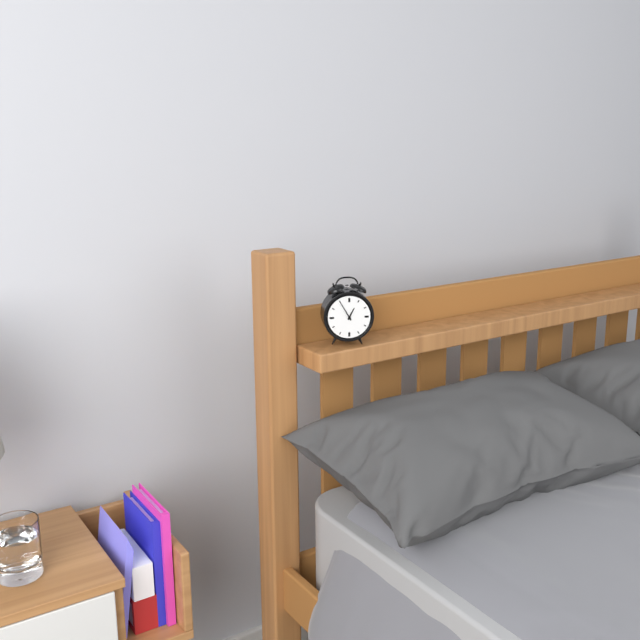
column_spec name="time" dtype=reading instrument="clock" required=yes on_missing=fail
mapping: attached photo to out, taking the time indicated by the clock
12:55
